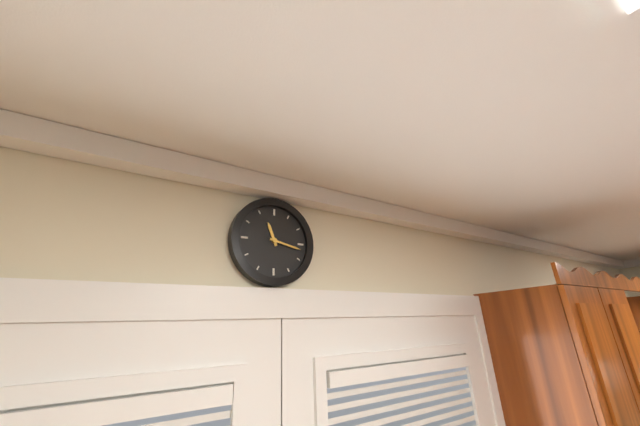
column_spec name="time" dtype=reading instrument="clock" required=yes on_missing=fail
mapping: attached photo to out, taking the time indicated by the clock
11:17
